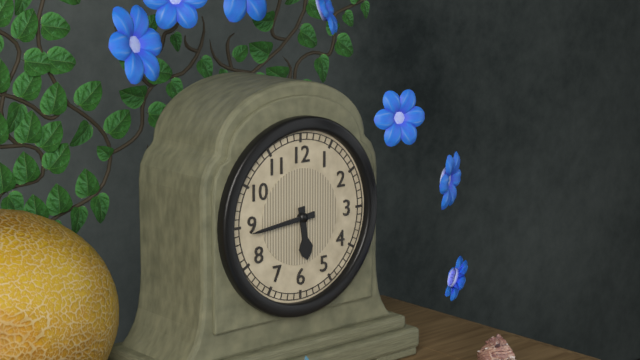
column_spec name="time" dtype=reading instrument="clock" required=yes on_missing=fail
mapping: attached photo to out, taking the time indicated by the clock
5:44
